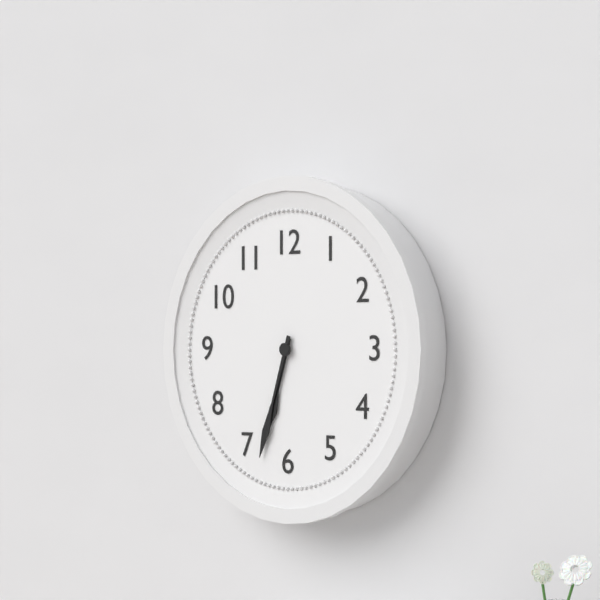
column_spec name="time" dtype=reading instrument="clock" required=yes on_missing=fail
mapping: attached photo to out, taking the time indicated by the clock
6:33
